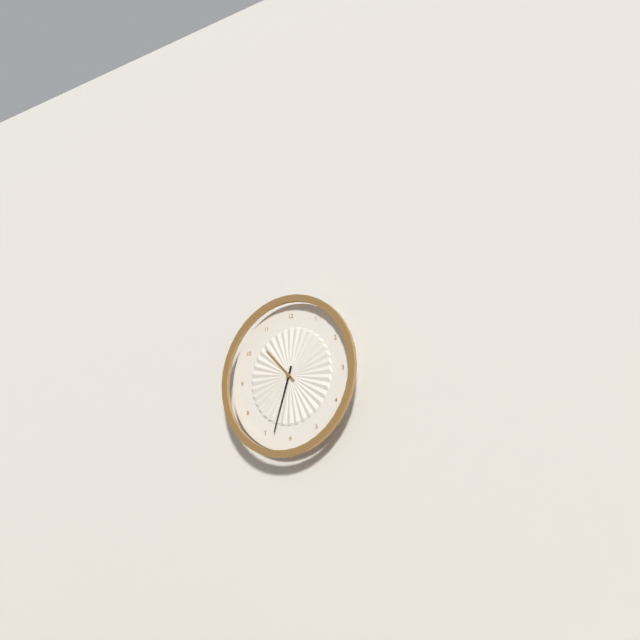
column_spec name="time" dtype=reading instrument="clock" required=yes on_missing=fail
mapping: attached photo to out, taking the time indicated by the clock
10:33
